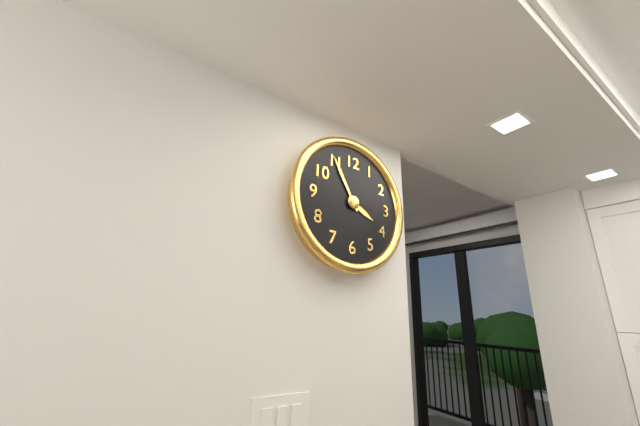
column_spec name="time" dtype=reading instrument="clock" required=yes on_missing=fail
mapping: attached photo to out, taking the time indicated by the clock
3:55
